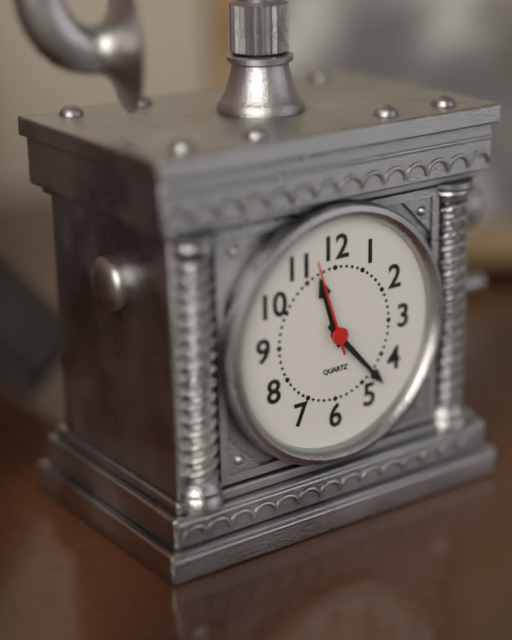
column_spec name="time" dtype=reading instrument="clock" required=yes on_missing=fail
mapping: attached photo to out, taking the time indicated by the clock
11:23:57
